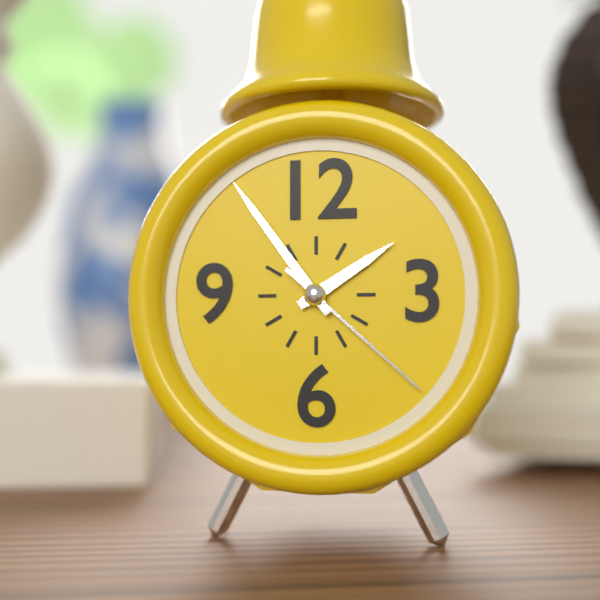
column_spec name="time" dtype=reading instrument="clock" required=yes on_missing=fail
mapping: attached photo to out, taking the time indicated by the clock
1:54:22
